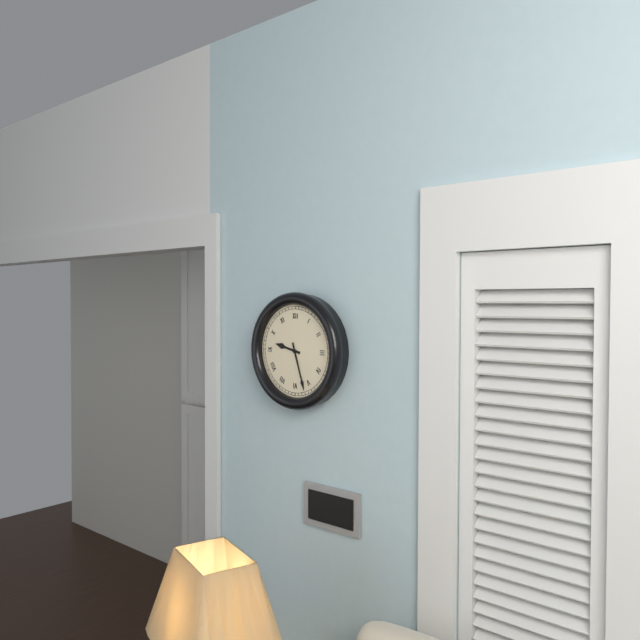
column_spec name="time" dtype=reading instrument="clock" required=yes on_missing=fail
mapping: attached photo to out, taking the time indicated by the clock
9:27
